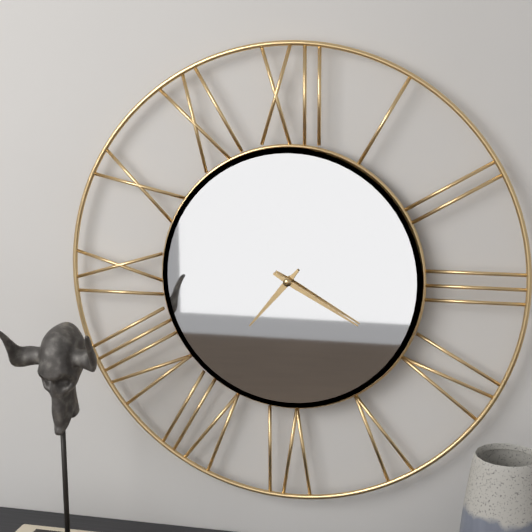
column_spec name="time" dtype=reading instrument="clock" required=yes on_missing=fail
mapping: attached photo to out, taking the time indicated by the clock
7:20
